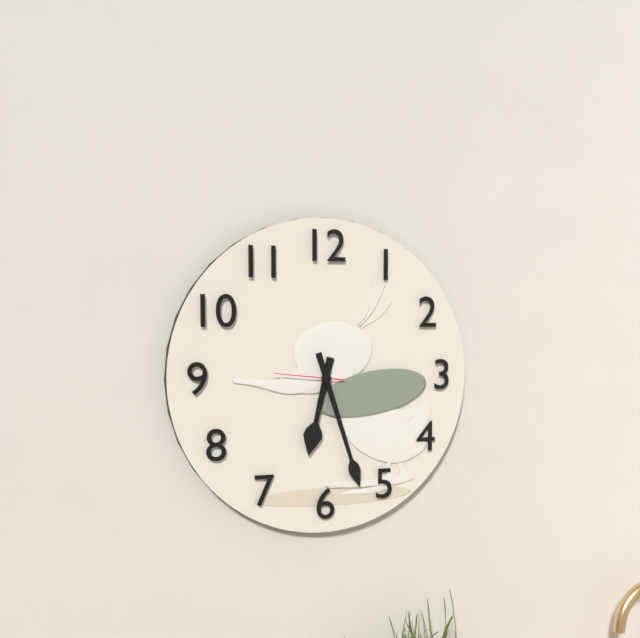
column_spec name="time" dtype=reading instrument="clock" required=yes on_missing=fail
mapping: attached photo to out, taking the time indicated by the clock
6:27:46
